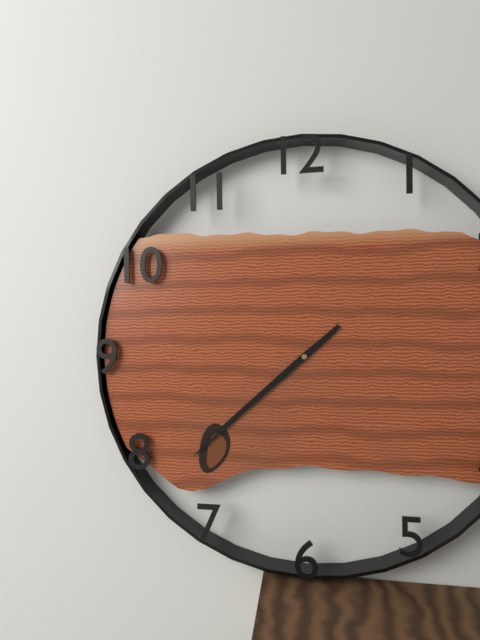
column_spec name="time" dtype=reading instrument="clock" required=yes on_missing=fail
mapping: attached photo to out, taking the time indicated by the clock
7:38
